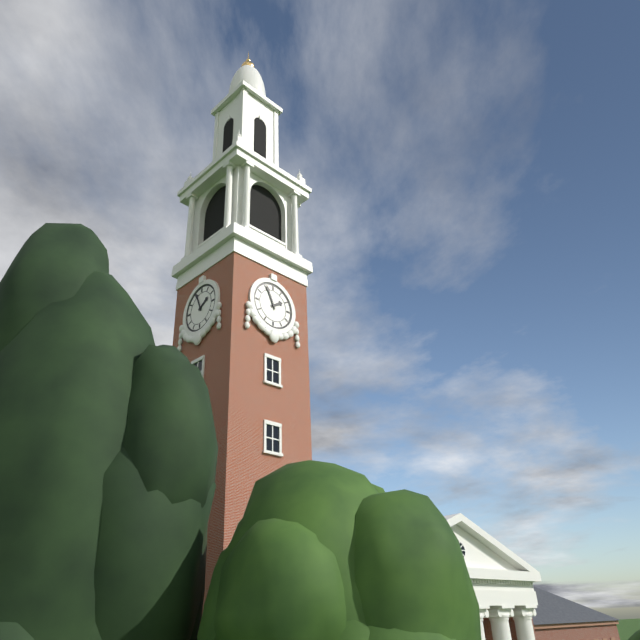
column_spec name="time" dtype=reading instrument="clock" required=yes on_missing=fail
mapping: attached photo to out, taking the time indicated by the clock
1:56
